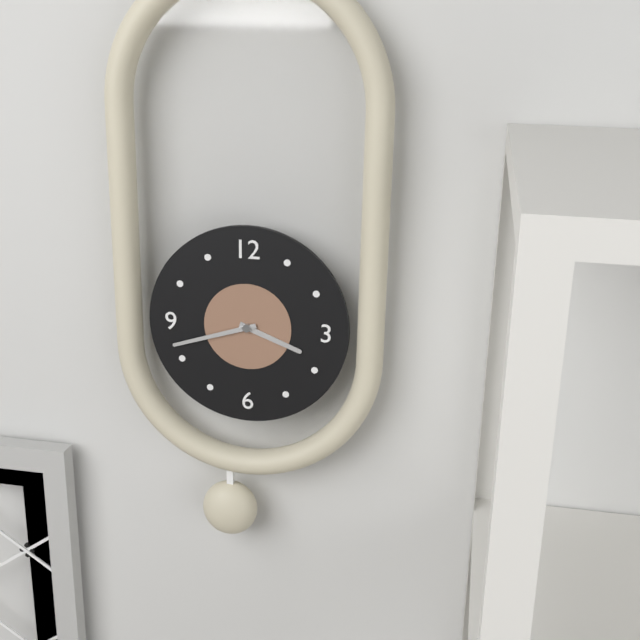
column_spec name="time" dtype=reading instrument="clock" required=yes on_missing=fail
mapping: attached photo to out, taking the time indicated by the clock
3:42
